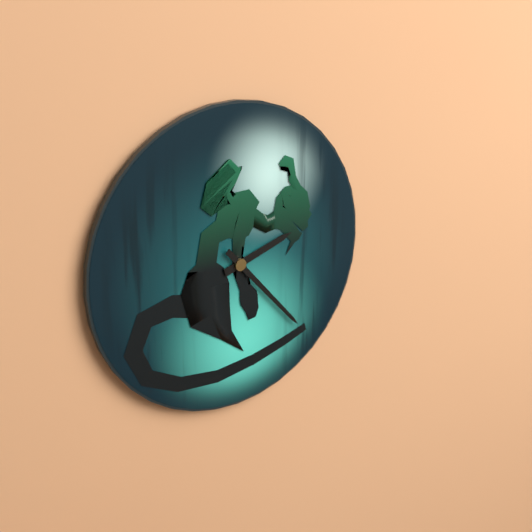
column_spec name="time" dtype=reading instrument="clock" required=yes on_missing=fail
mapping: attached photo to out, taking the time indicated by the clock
2:23
